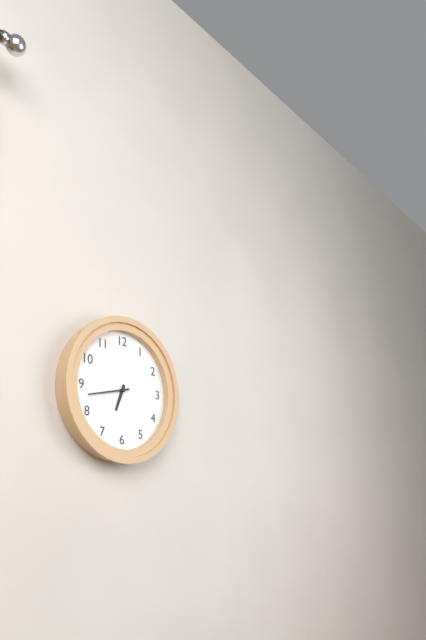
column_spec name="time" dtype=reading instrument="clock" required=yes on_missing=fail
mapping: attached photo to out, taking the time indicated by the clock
6:43
